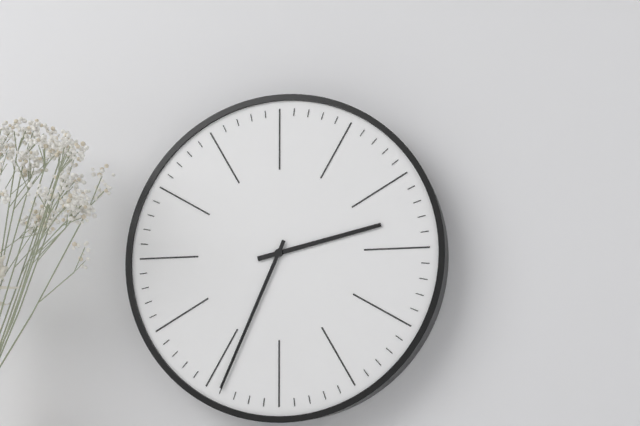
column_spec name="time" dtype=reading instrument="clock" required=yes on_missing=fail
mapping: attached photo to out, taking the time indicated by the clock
2:34
